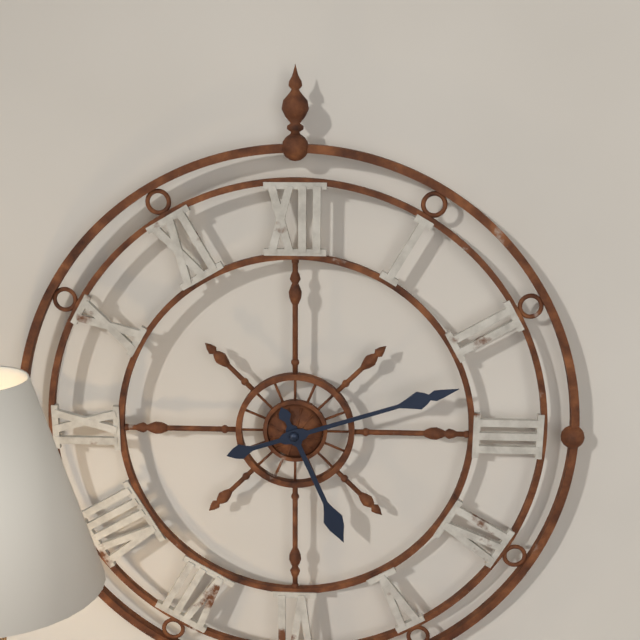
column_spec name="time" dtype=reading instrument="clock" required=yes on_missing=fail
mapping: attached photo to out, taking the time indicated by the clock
5:12
